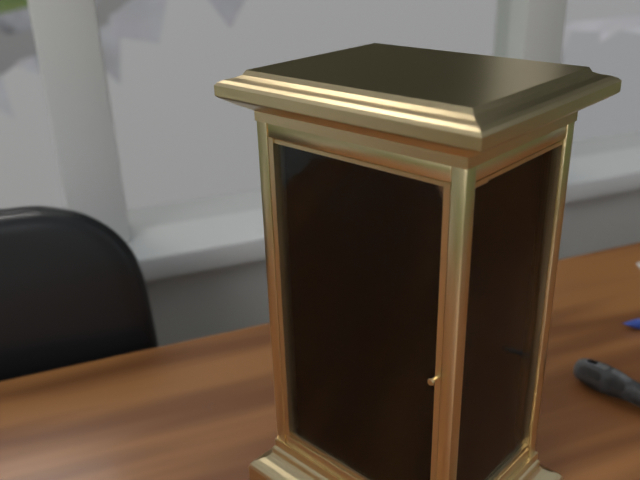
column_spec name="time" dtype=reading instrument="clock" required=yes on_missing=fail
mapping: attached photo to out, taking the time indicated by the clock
12:53
